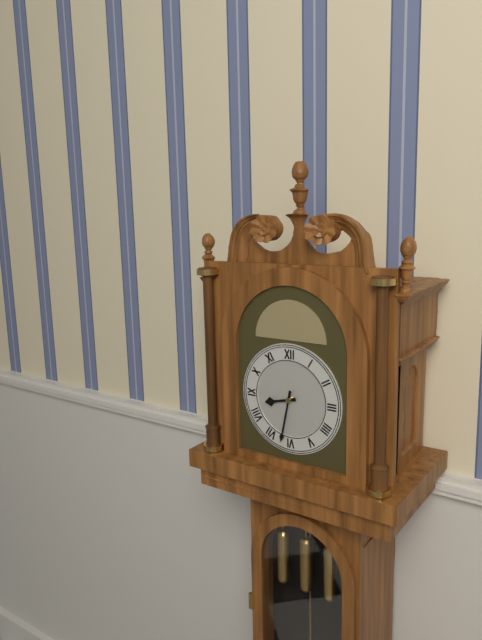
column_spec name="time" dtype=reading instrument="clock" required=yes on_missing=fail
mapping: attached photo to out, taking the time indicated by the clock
8:32
